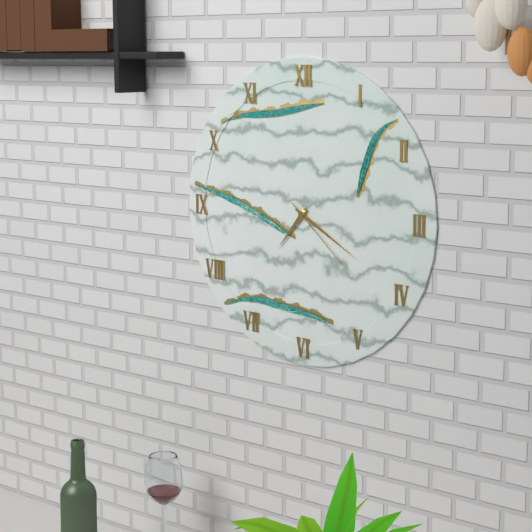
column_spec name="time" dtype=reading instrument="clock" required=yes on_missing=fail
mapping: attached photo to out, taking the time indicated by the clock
7:20:22
